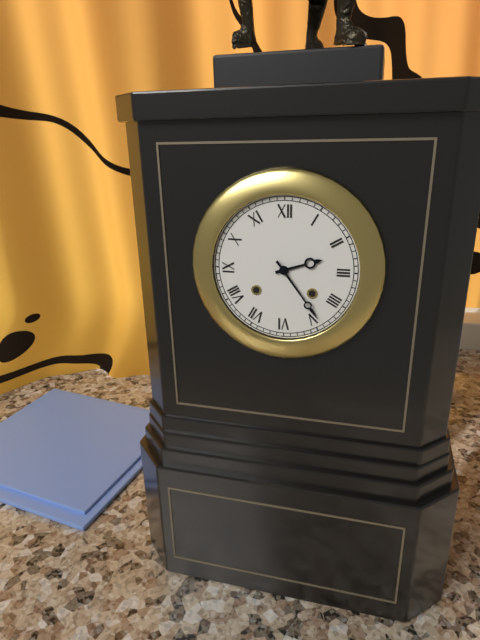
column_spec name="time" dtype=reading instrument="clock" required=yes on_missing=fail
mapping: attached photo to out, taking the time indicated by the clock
2:24
